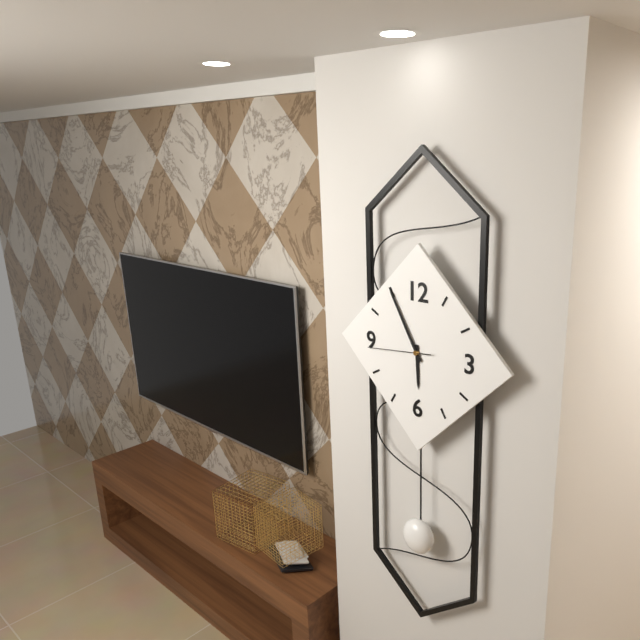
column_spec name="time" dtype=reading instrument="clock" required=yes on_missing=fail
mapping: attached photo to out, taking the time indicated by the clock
5:55:44
